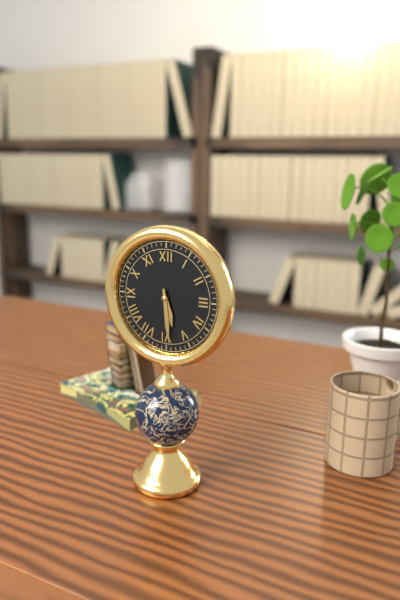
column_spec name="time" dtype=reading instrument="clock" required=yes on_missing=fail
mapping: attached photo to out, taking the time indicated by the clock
5:29
